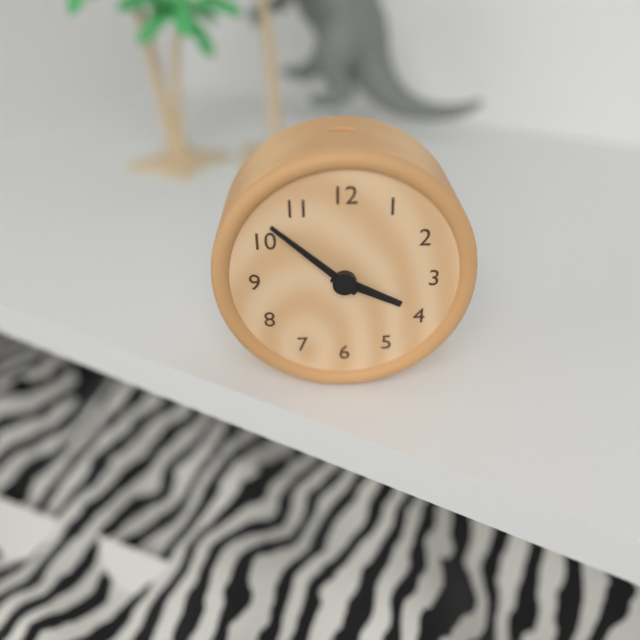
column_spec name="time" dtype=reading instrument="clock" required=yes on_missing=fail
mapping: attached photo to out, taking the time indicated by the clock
3:52
